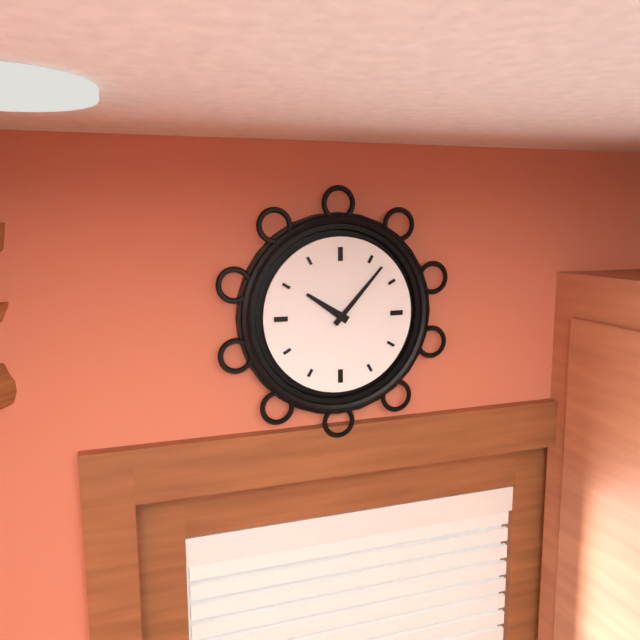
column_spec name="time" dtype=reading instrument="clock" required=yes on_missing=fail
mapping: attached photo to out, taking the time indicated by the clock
10:07
